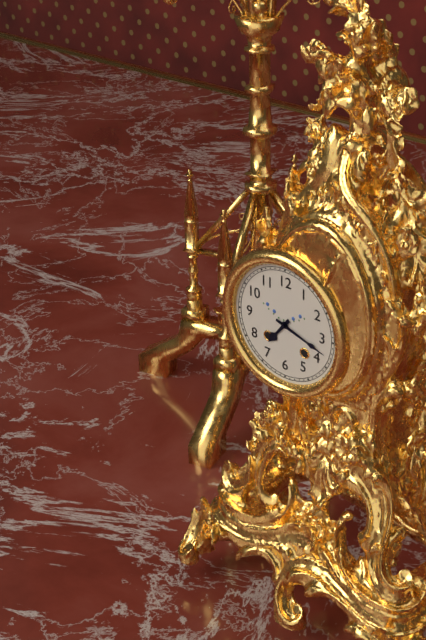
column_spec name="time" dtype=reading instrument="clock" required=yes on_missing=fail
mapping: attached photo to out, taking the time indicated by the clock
7:18
